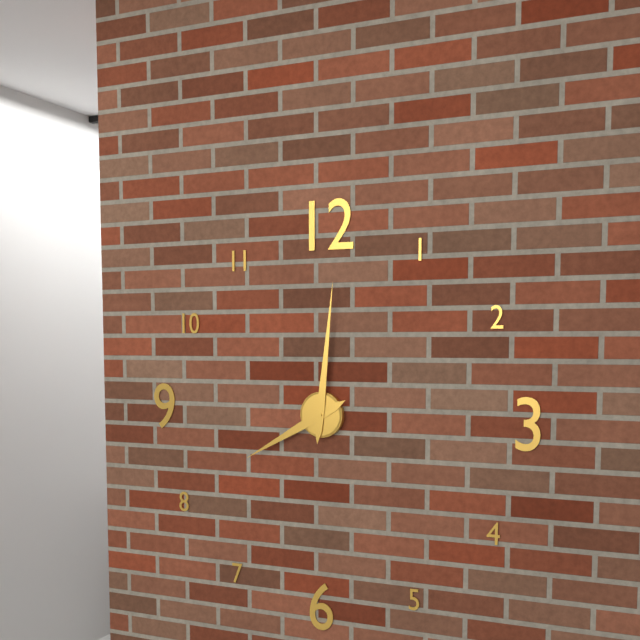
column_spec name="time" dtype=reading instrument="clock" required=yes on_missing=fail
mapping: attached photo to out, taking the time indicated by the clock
8:01
